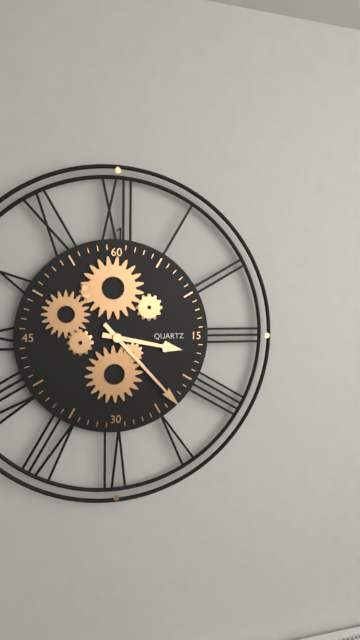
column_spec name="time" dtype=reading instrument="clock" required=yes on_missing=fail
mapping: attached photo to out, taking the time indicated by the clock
3:23
